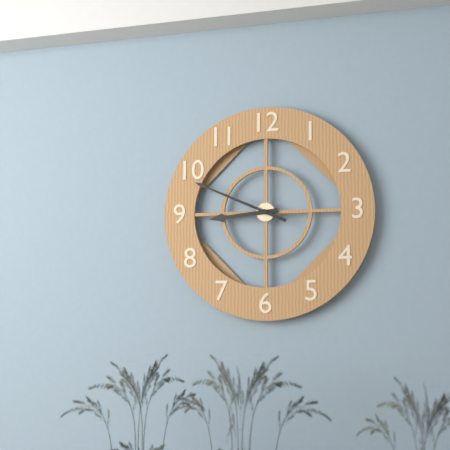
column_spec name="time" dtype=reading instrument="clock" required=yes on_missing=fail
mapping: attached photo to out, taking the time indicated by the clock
8:49
